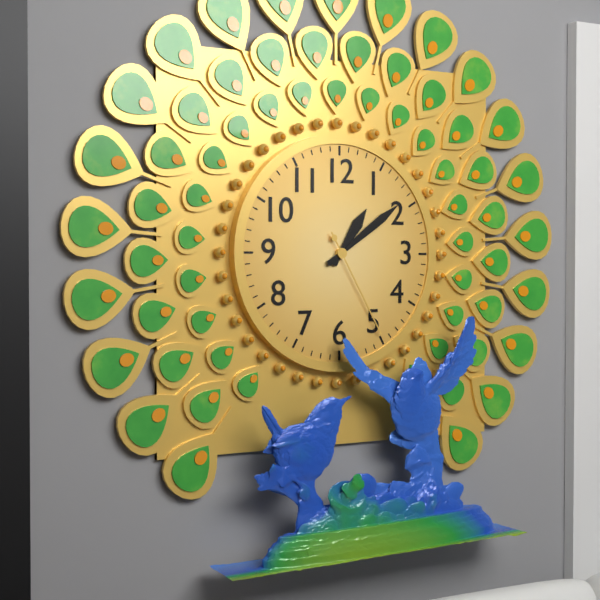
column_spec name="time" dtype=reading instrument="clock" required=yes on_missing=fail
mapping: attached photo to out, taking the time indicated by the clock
1:09:25
